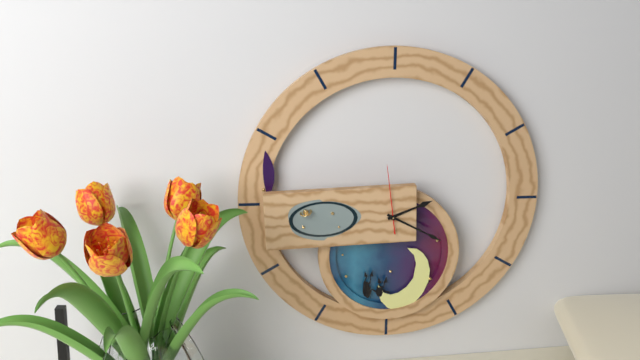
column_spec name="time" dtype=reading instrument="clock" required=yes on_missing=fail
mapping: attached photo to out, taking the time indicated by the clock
2:20:59
